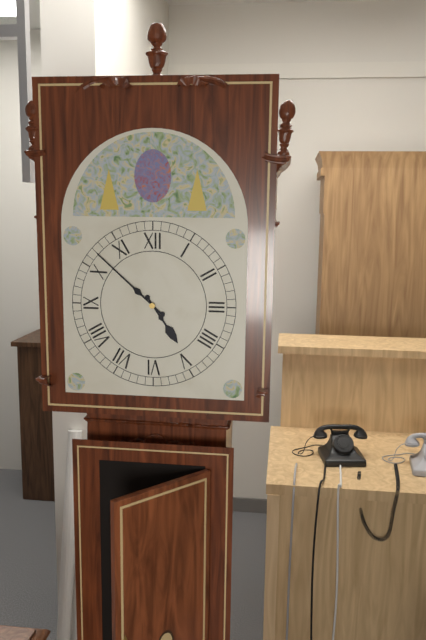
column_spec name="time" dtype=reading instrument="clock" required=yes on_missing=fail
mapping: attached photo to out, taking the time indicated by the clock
4:52
